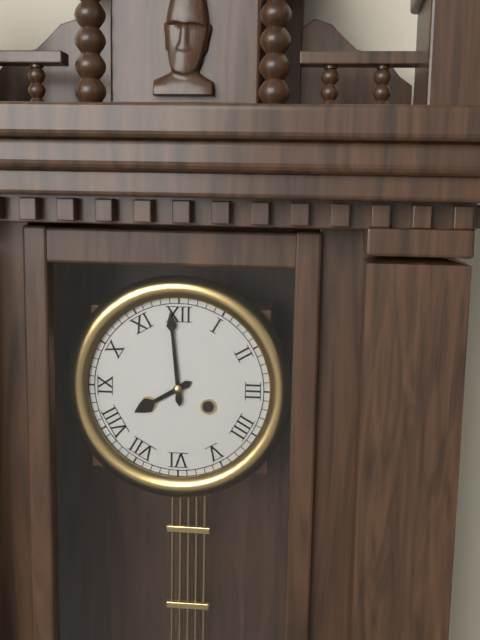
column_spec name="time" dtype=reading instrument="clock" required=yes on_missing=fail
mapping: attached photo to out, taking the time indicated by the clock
7:59
